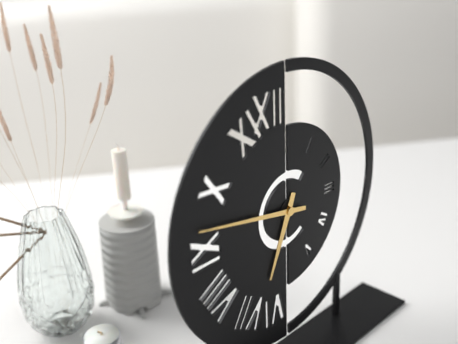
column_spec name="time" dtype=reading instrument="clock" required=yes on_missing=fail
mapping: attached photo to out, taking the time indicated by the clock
6:47
